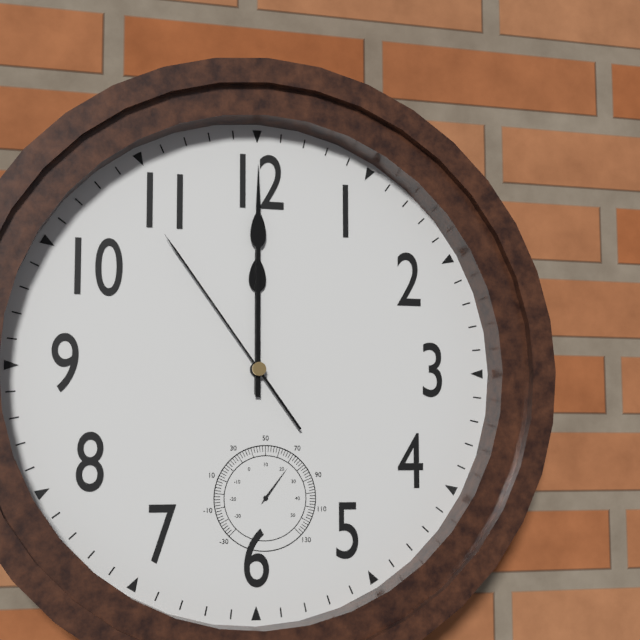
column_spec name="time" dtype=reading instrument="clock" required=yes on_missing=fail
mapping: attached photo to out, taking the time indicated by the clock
12:00:54
